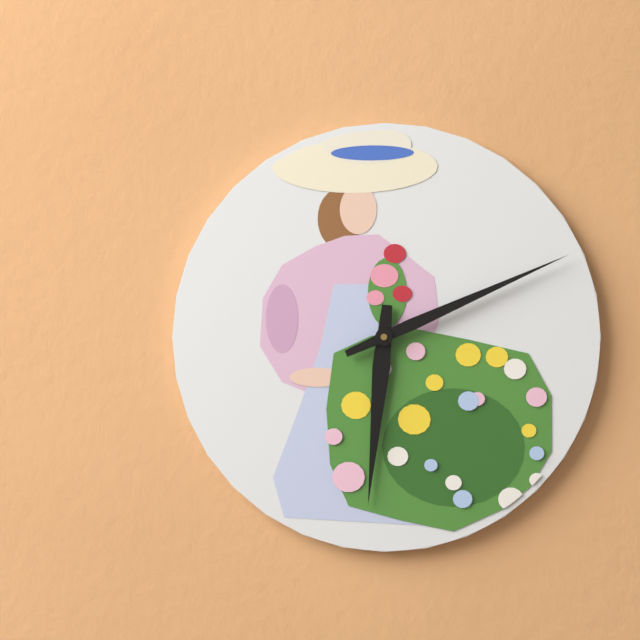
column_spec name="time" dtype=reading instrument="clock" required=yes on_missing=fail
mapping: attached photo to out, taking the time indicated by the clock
6:11
